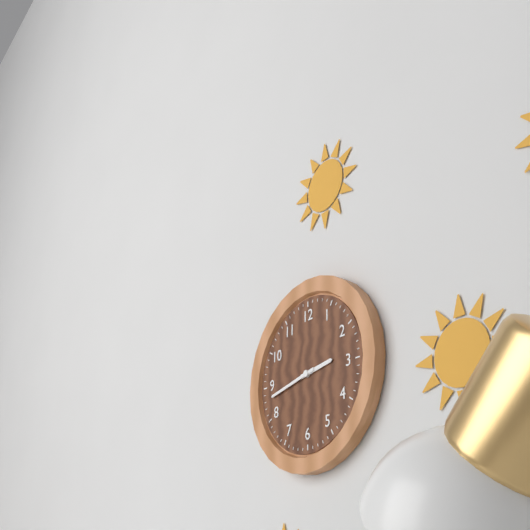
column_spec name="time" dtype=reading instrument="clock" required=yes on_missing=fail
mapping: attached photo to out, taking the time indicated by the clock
2:43
